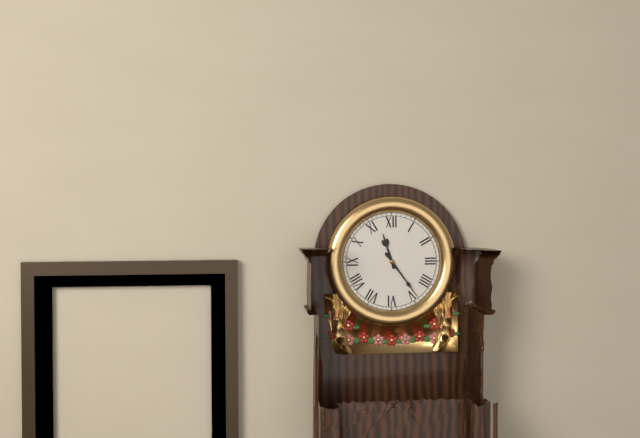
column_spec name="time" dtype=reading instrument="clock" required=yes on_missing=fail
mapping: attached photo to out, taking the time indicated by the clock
11:24
